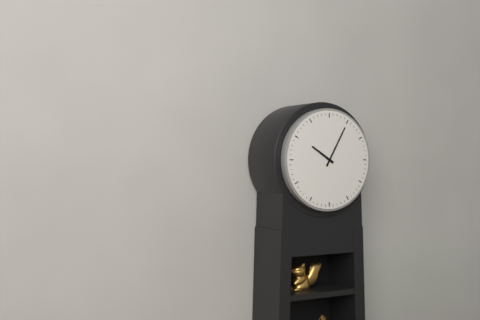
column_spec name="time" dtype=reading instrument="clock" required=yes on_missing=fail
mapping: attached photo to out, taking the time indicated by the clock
10:05
